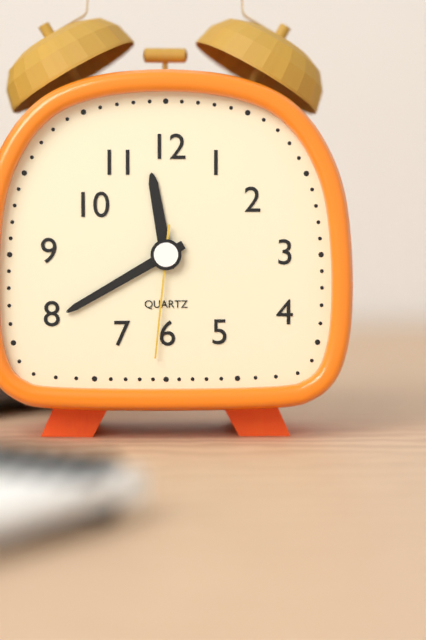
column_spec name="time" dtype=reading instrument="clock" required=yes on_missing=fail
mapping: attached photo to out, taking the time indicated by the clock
11:40:31
